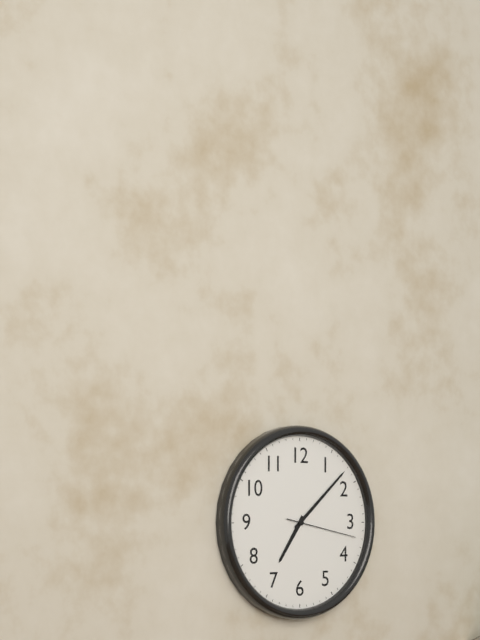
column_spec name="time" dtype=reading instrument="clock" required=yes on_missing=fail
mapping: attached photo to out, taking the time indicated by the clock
7:08:17
